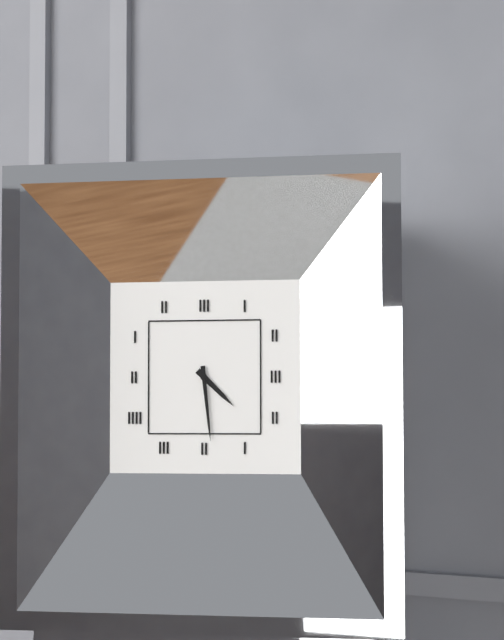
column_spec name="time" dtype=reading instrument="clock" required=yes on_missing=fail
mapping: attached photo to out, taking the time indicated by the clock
4:29
